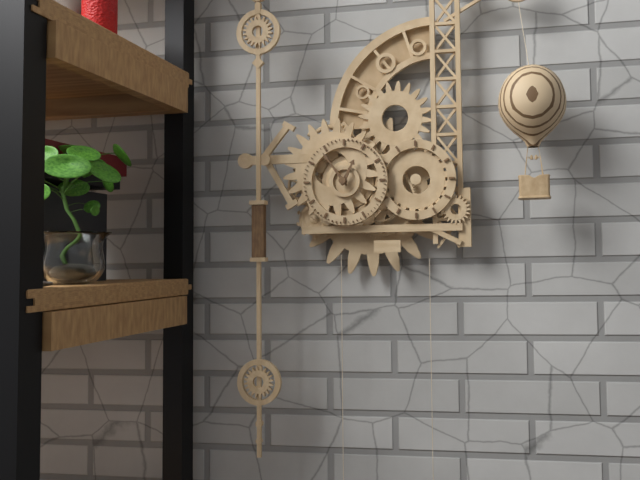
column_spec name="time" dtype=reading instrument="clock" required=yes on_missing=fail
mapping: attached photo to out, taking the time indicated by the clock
12:54
